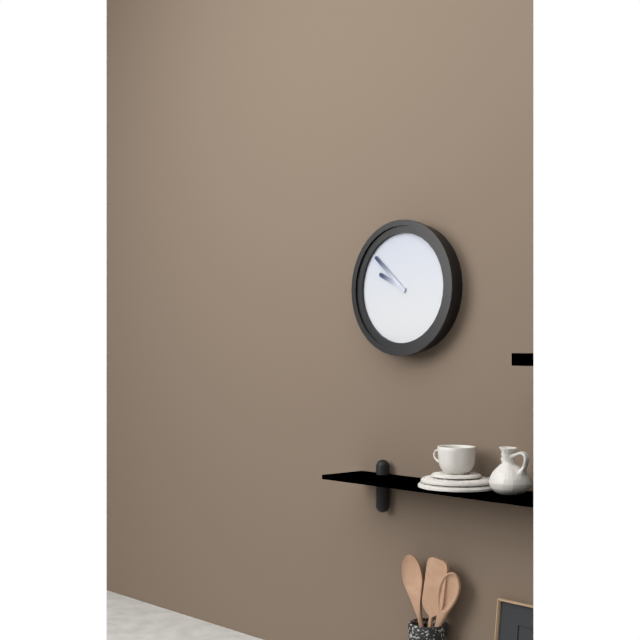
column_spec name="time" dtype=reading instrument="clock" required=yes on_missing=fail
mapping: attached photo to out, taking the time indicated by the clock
9:52
